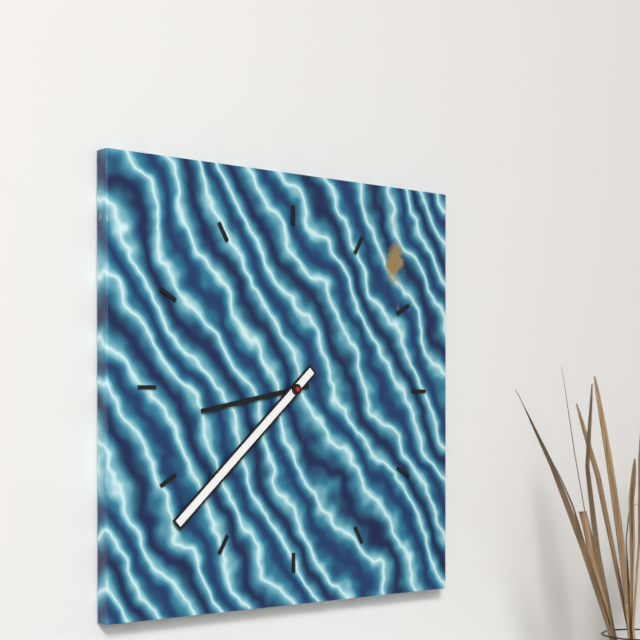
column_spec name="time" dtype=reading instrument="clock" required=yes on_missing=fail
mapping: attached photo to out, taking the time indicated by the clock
8:38
